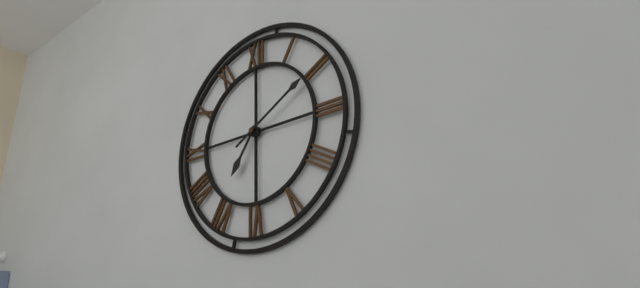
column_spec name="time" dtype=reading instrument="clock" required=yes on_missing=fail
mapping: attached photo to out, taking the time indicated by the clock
7:10
